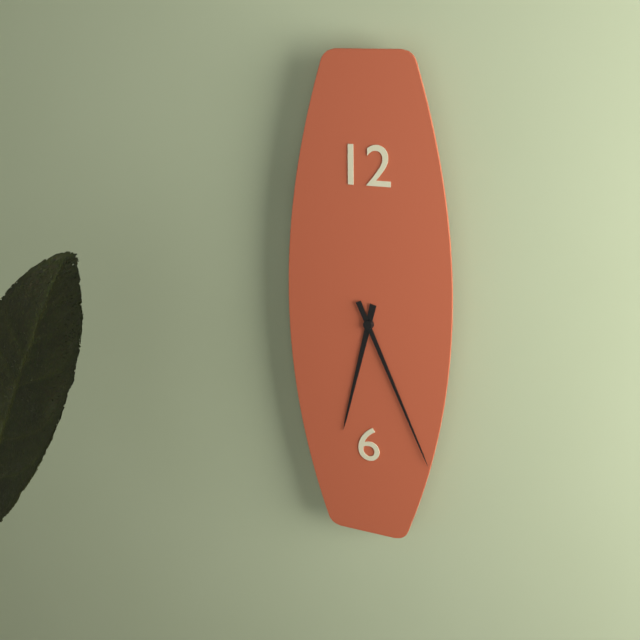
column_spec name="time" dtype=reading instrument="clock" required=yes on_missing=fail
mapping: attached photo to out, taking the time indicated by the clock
6:26
